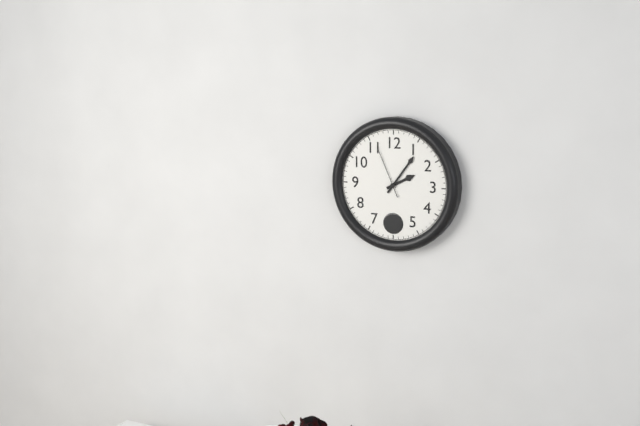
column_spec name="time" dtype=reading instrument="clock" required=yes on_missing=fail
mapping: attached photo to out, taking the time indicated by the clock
2:06:56
